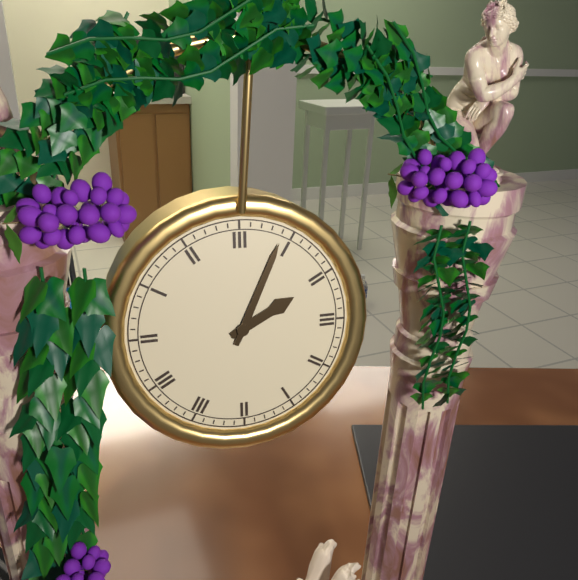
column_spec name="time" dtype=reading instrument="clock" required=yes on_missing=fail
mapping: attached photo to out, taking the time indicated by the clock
2:04
